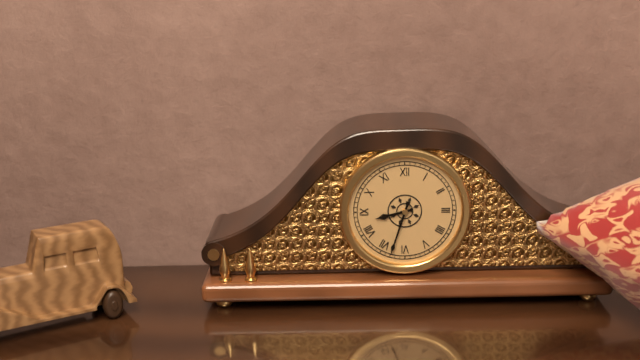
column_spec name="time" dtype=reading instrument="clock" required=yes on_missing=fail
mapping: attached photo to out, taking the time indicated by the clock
8:33
